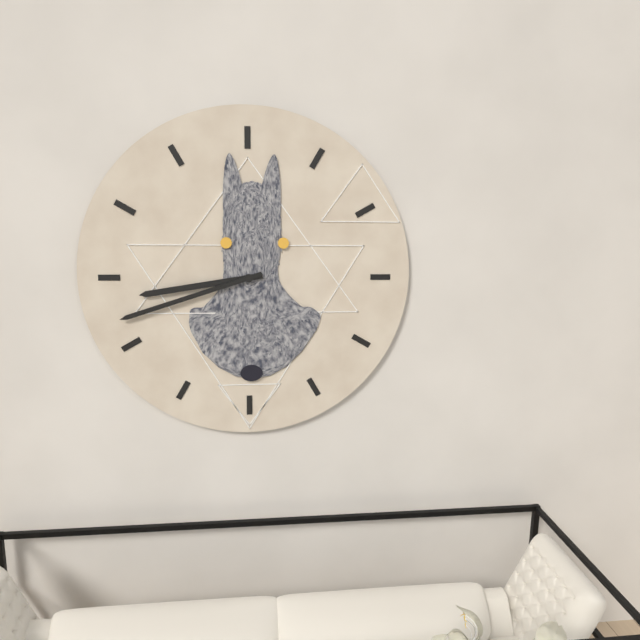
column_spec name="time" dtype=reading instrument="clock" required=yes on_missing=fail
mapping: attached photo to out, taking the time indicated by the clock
8:42
